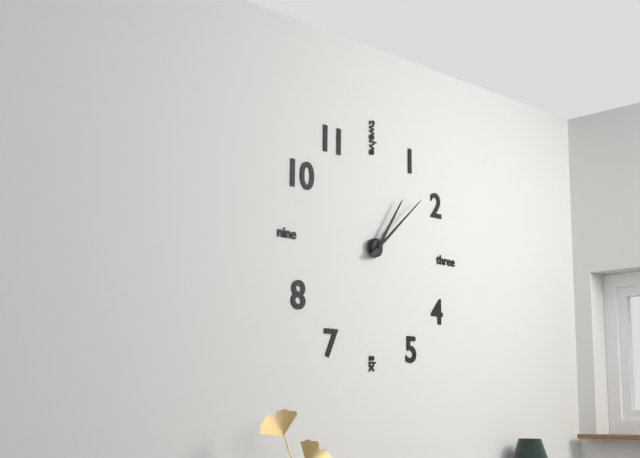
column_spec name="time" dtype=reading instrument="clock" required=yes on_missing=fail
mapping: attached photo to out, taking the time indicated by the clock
1:08
